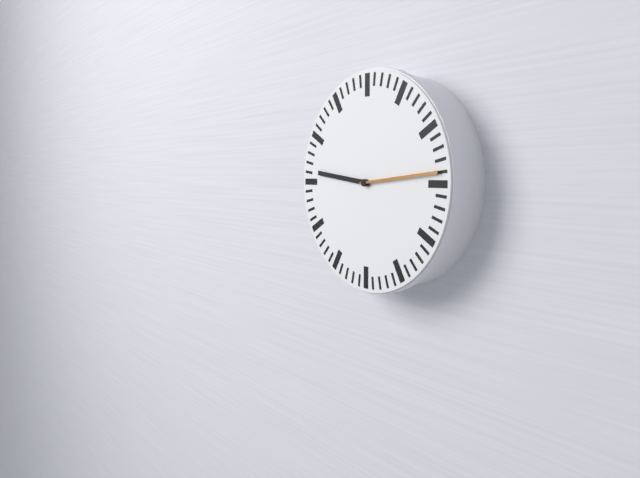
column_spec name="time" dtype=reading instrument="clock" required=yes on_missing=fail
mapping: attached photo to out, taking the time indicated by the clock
9:14
